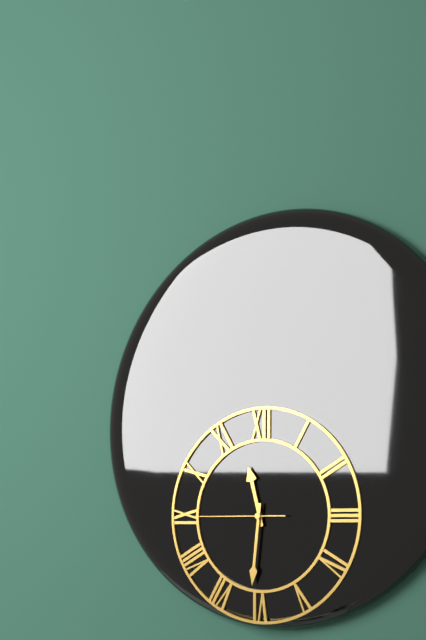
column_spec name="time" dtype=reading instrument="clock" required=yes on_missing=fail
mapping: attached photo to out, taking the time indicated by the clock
11:31:45
